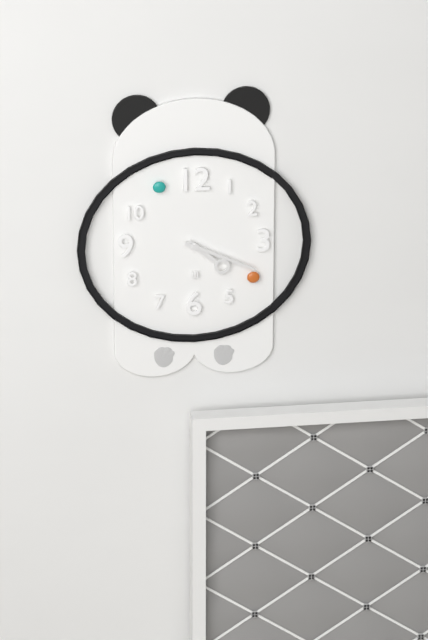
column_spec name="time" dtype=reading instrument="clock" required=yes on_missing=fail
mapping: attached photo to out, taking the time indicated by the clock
4:19
